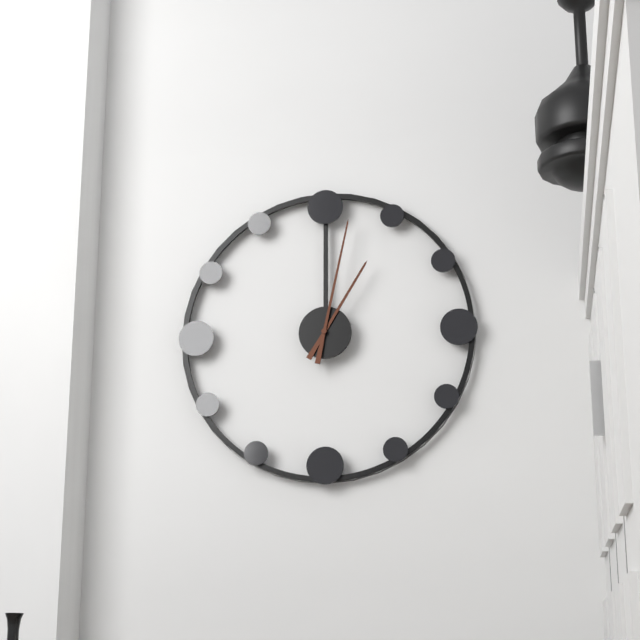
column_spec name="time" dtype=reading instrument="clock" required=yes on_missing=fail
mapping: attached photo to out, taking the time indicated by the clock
1:02
